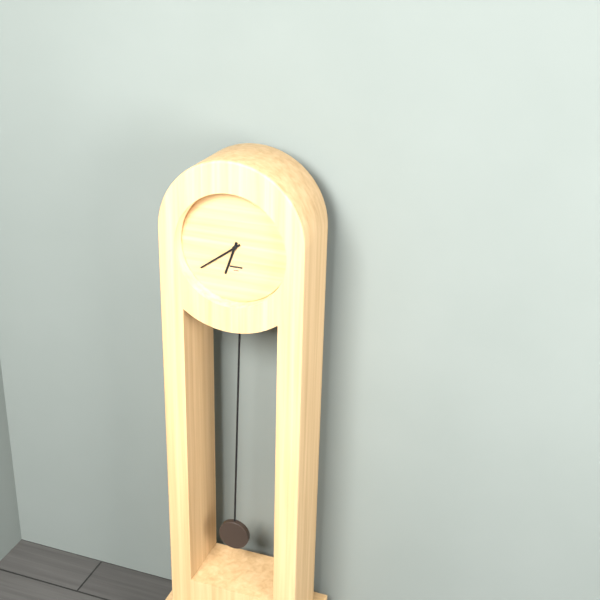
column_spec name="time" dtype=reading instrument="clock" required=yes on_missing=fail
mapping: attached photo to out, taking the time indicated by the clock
6:39
